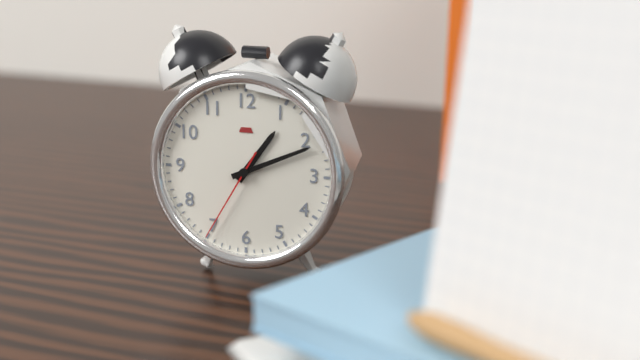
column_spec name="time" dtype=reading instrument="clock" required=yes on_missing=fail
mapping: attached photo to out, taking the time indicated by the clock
1:11:35
